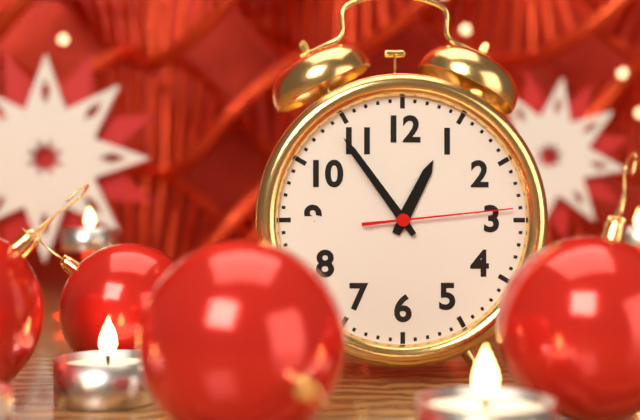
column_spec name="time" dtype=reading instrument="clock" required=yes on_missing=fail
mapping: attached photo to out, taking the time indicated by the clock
12:54:14
